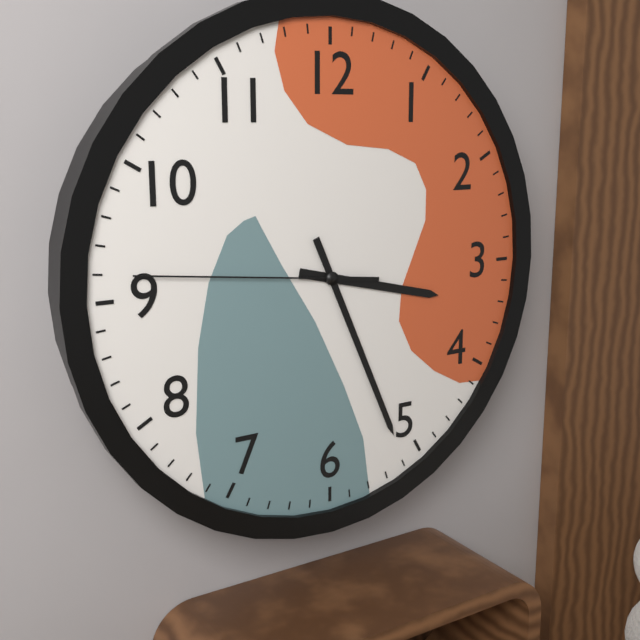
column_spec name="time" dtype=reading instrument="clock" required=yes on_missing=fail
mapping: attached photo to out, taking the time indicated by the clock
3:26:46
